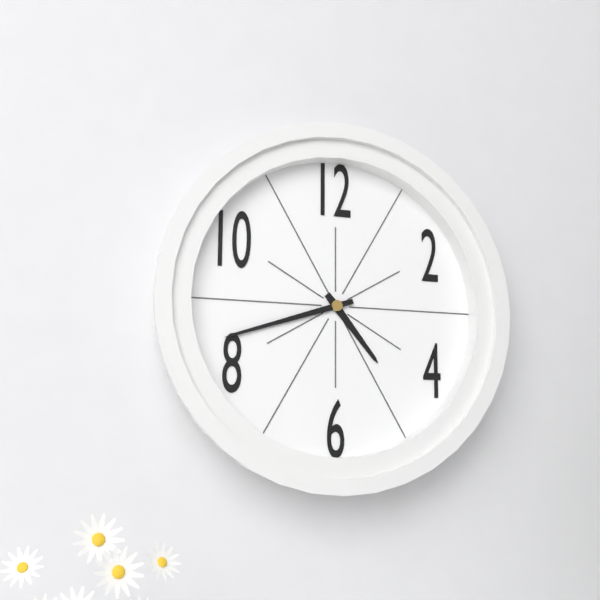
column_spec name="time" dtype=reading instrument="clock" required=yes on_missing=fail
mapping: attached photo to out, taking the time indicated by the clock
4:42
